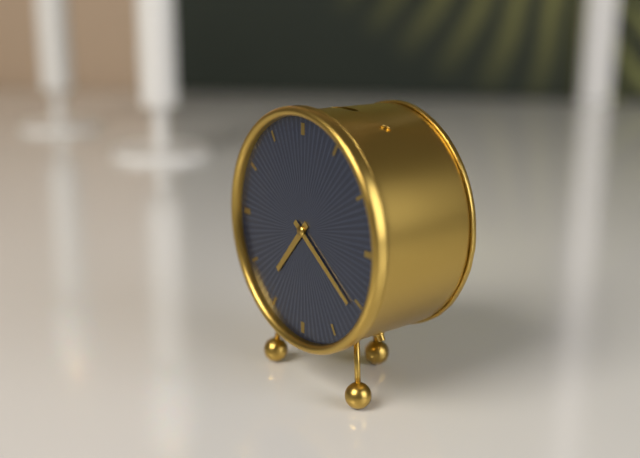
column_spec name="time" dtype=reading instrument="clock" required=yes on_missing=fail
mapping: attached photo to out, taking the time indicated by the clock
7:21
